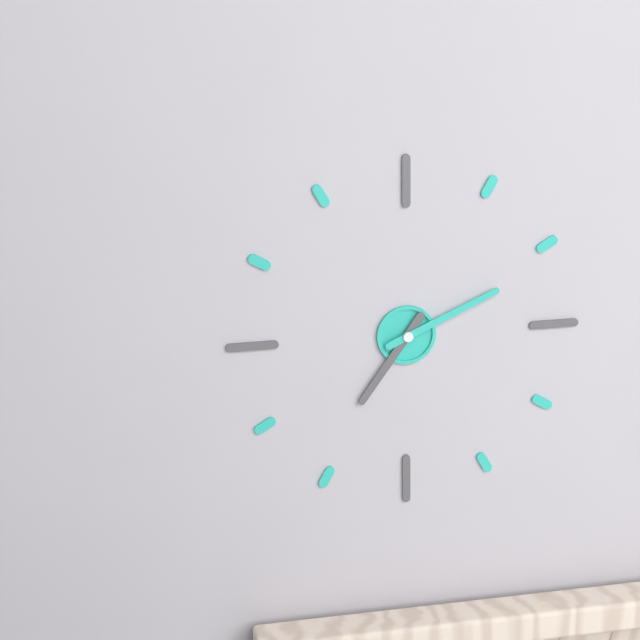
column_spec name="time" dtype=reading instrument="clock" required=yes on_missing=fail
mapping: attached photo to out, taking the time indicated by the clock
7:11
